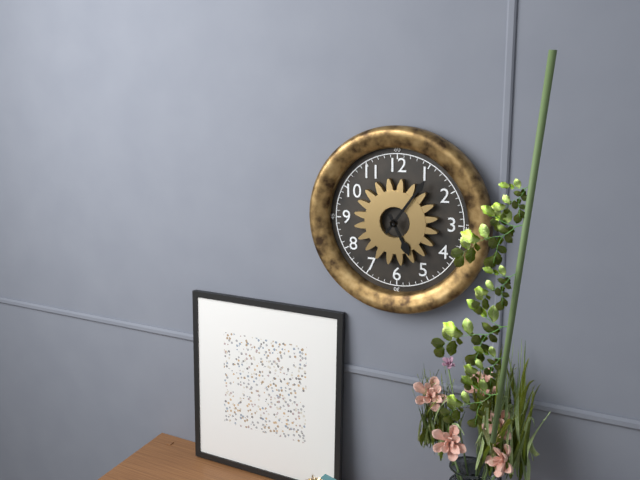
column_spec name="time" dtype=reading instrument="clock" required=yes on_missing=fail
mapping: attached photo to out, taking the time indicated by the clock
5:06
